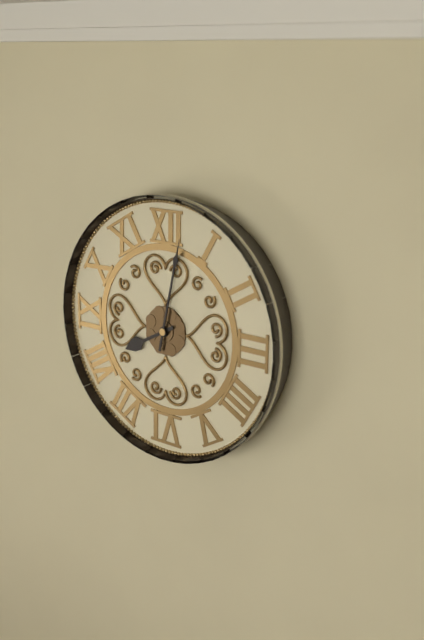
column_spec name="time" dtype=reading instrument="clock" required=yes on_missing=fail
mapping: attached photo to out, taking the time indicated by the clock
8:02
